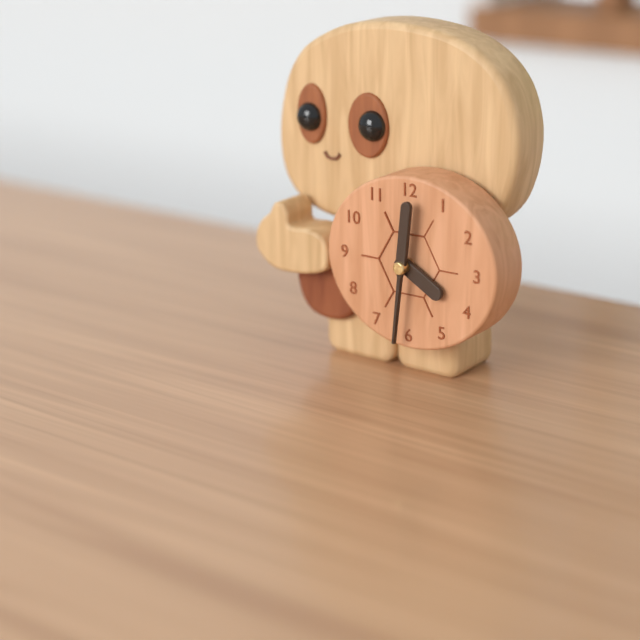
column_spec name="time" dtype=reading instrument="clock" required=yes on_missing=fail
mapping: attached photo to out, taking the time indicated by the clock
4:01
